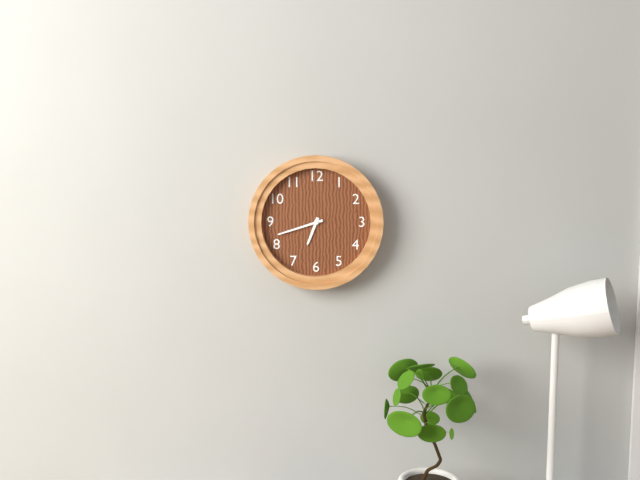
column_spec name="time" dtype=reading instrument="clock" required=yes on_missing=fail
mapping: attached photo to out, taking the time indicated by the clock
6:42
